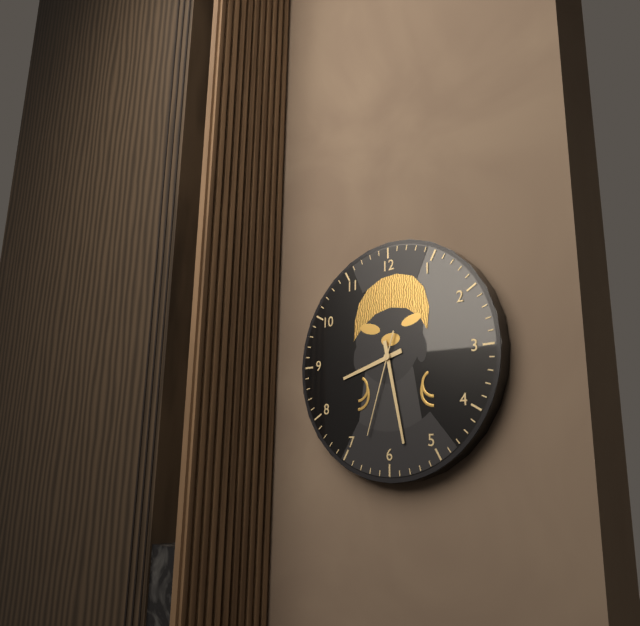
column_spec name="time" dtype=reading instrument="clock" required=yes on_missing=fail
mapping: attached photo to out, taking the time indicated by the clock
8:28:33
